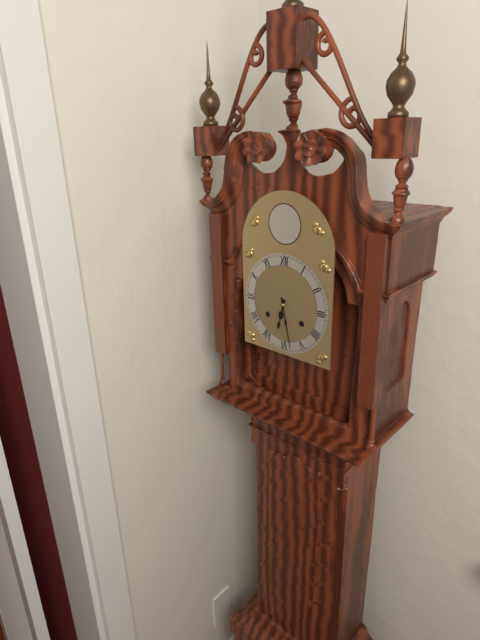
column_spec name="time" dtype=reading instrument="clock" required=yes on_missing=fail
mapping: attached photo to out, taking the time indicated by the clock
6:28
